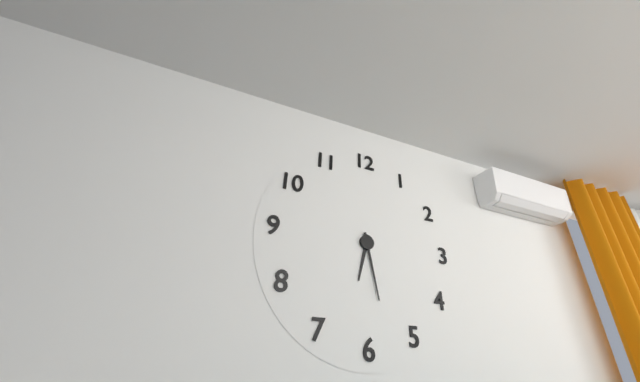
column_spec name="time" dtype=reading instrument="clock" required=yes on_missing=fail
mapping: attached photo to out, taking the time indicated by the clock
6:28
